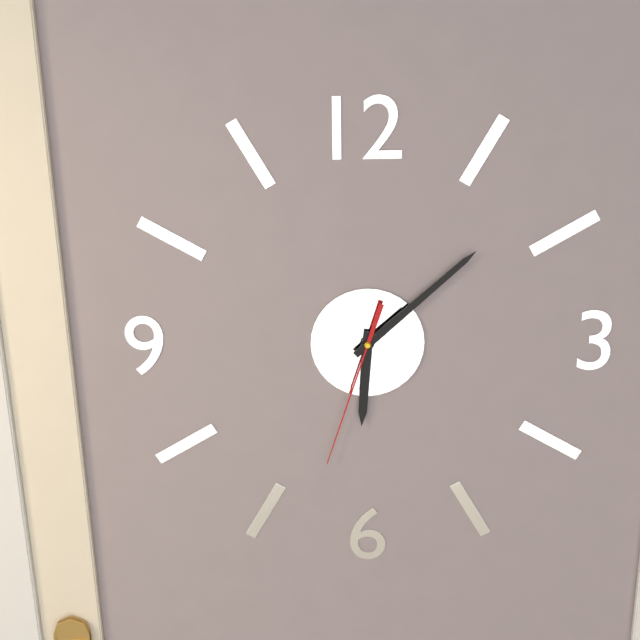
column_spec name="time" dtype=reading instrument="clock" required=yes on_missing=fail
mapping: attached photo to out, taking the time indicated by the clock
6:08:33
